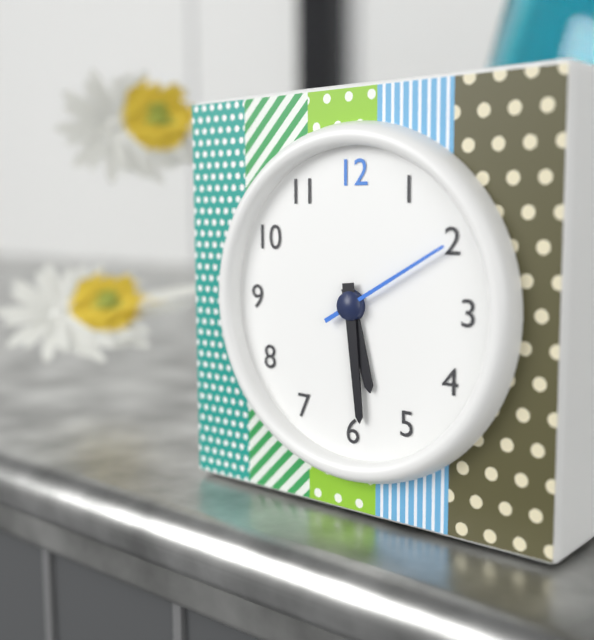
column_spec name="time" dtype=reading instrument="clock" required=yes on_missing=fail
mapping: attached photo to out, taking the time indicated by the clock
5:29:10
